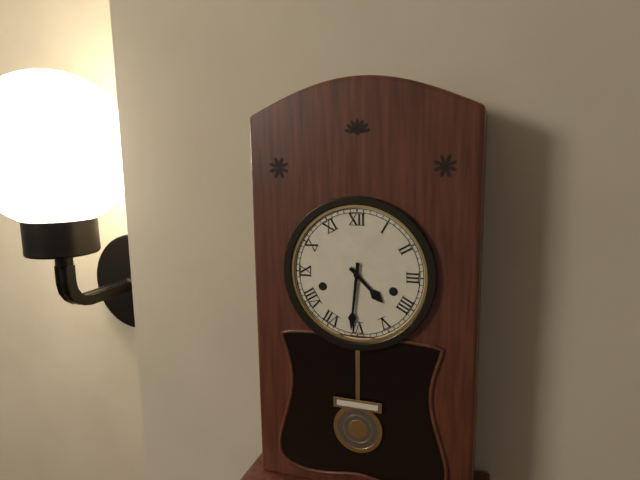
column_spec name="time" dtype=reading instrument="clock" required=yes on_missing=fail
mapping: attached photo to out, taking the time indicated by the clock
4:31
